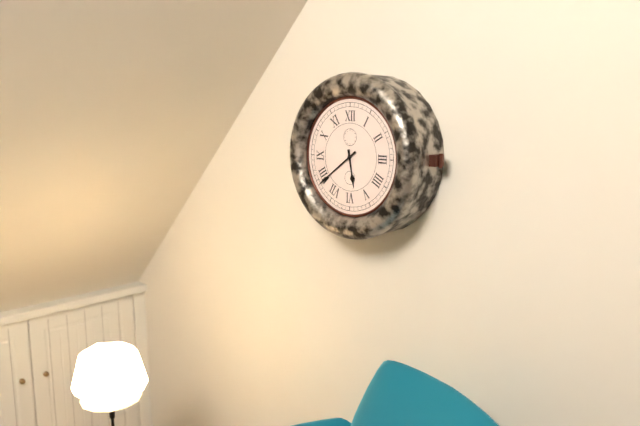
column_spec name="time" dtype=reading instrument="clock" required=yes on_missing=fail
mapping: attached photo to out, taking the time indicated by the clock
5:39
